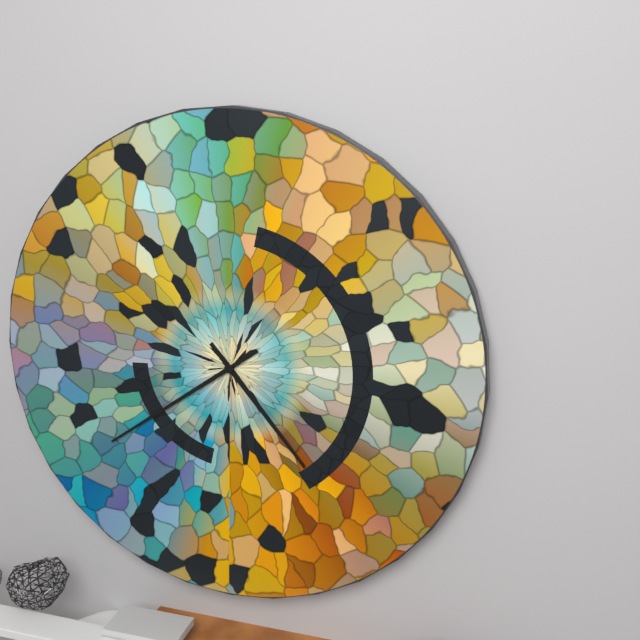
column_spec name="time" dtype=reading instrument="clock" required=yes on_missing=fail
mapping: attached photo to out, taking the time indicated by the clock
4:39
